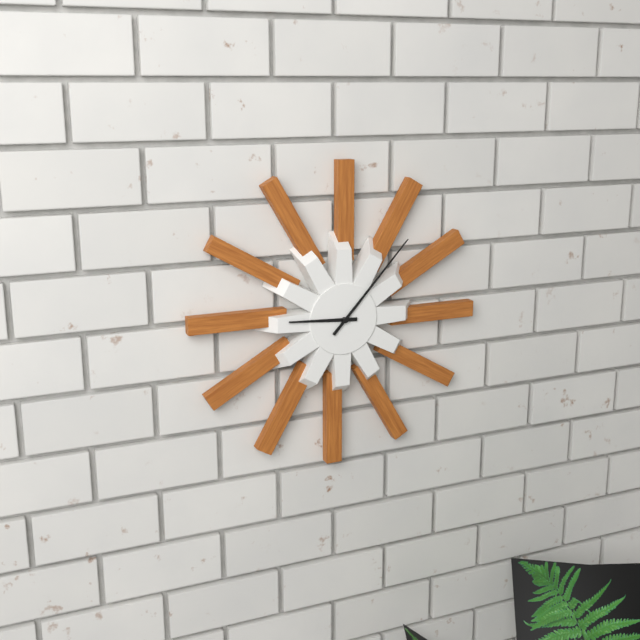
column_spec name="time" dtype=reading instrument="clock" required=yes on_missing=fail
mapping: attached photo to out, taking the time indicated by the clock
9:07
